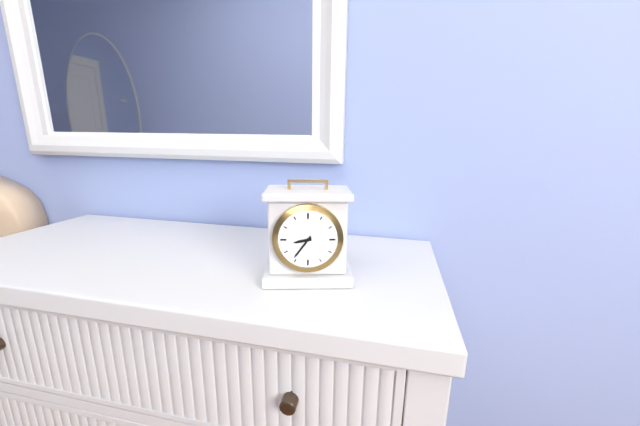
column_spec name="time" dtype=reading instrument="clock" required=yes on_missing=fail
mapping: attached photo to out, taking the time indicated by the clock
8:36
